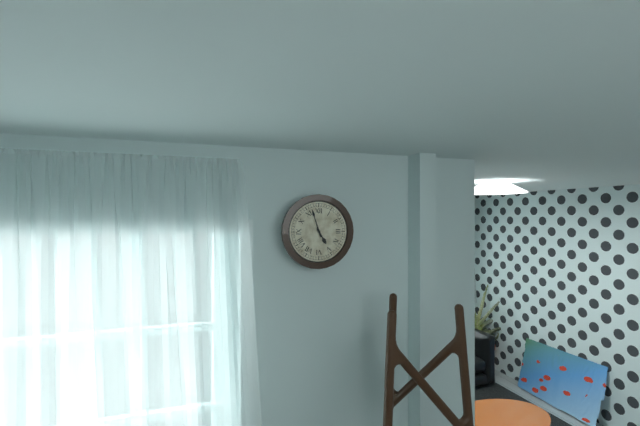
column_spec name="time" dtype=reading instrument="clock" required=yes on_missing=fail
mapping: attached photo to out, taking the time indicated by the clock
4:57
